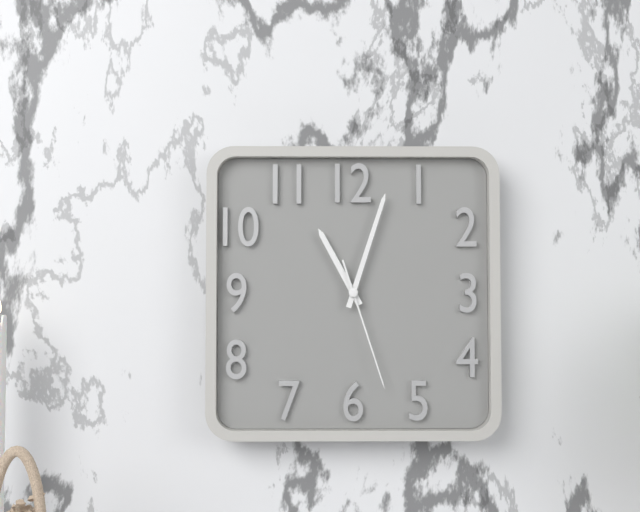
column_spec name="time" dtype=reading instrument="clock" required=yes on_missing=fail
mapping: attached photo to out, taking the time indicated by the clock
11:03:27
